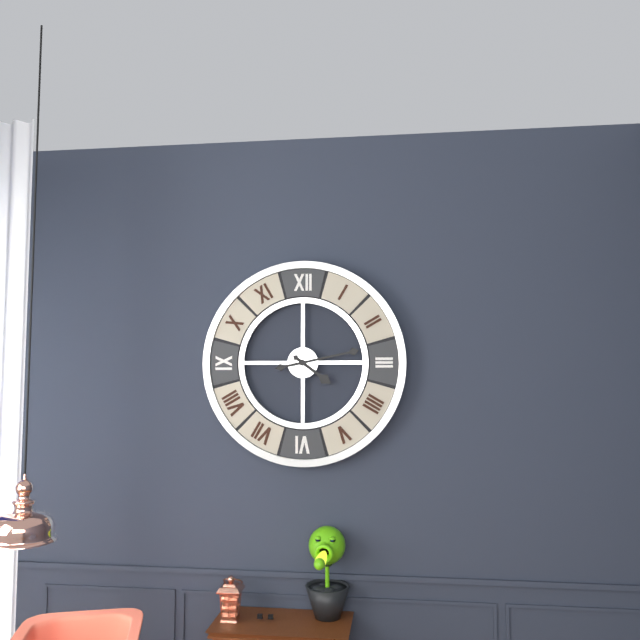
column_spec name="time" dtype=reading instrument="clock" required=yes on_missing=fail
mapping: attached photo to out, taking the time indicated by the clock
4:13
